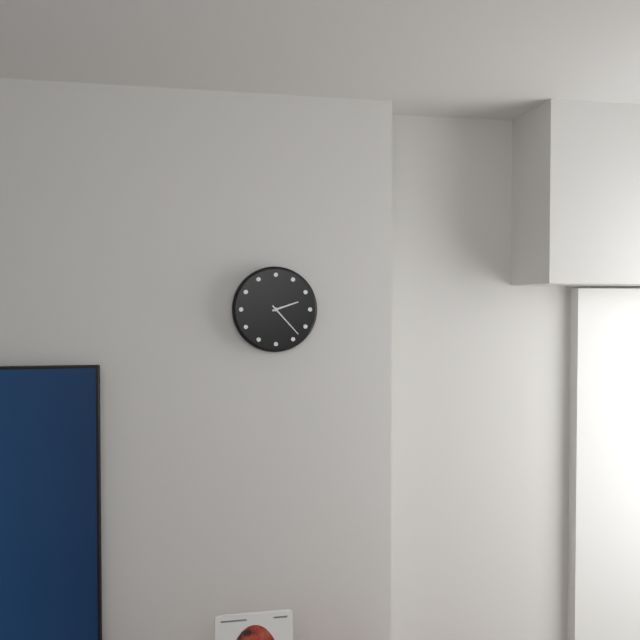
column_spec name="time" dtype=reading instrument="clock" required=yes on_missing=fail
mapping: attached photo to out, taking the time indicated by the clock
2:23
